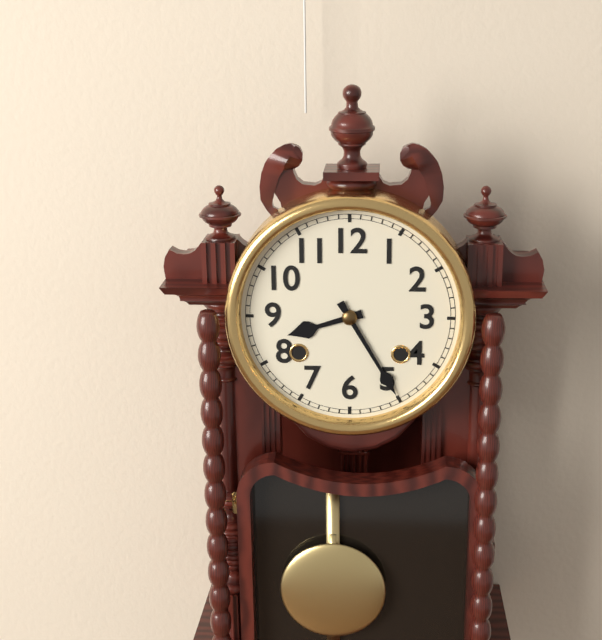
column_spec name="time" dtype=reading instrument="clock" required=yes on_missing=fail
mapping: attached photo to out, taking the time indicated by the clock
8:25
